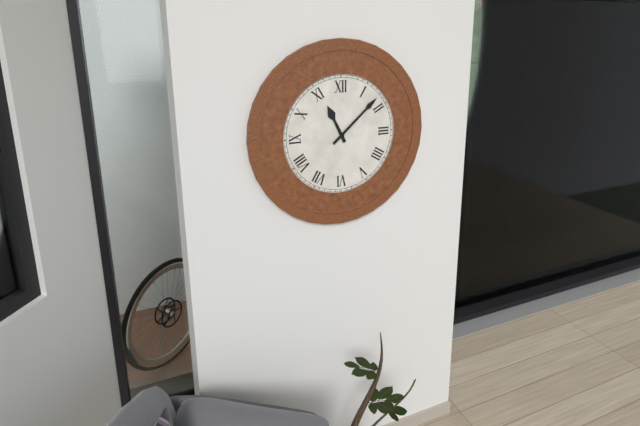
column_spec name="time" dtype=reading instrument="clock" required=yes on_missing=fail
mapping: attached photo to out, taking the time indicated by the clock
11:08
